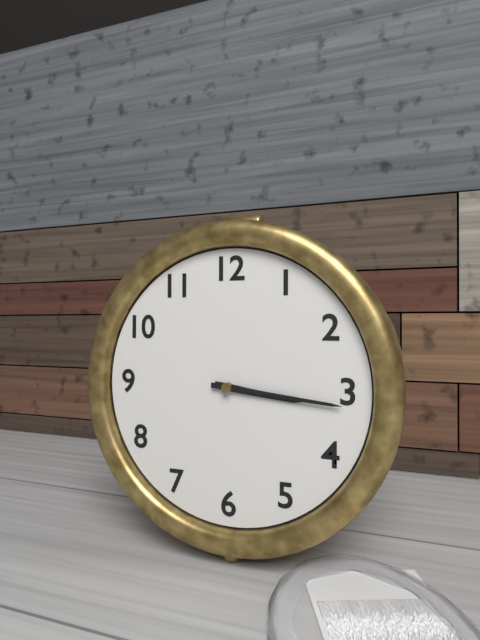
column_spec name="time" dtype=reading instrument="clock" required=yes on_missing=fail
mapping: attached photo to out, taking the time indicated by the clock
3:16
